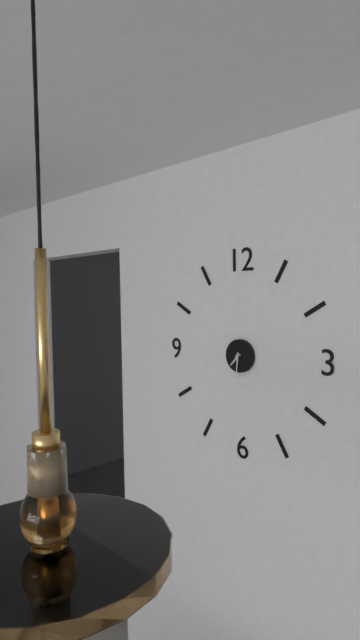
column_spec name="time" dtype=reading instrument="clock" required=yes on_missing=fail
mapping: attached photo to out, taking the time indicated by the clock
7:31
